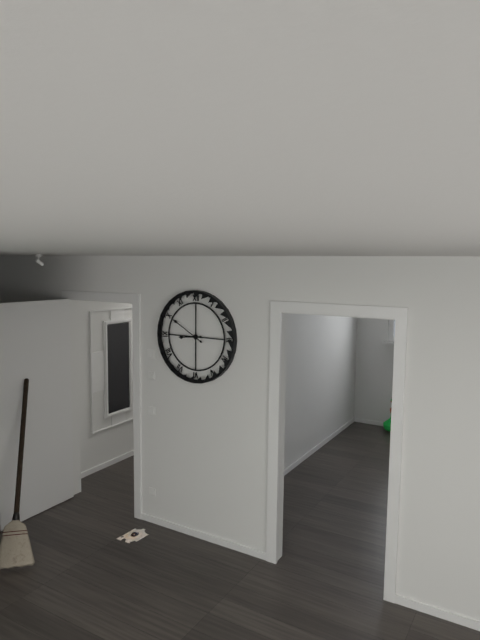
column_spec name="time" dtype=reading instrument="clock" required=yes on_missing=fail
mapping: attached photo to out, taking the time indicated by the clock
8:50
